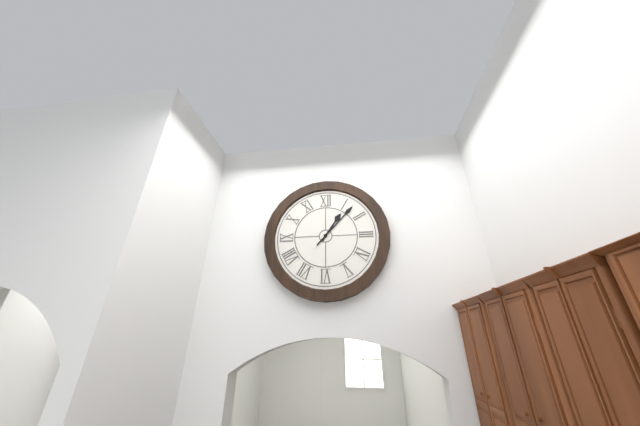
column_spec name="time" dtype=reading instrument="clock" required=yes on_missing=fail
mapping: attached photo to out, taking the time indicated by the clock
1:07
